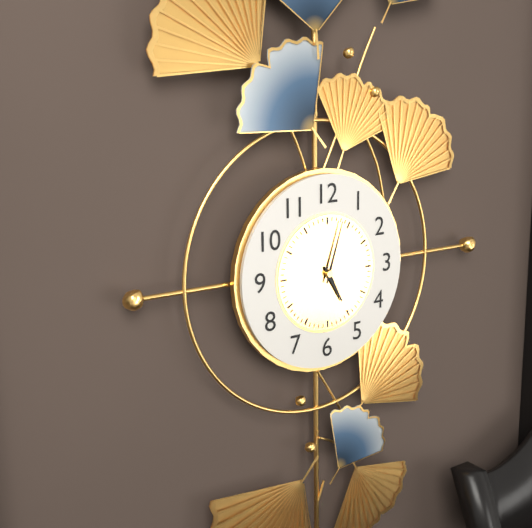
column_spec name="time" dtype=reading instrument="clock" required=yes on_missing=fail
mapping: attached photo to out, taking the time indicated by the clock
5:03
